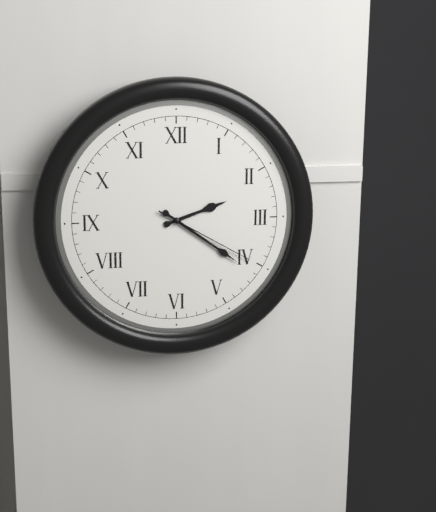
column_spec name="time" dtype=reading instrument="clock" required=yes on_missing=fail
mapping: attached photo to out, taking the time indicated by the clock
2:21:20
